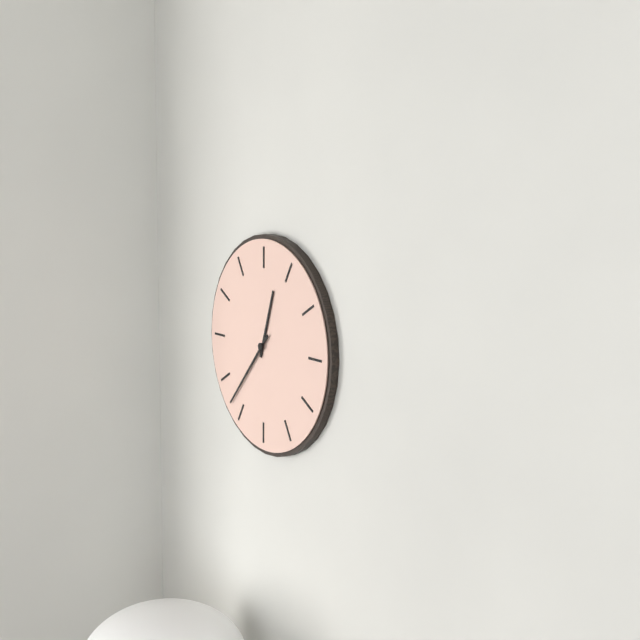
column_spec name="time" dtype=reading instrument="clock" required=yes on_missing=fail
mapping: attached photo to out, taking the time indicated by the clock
12:37
